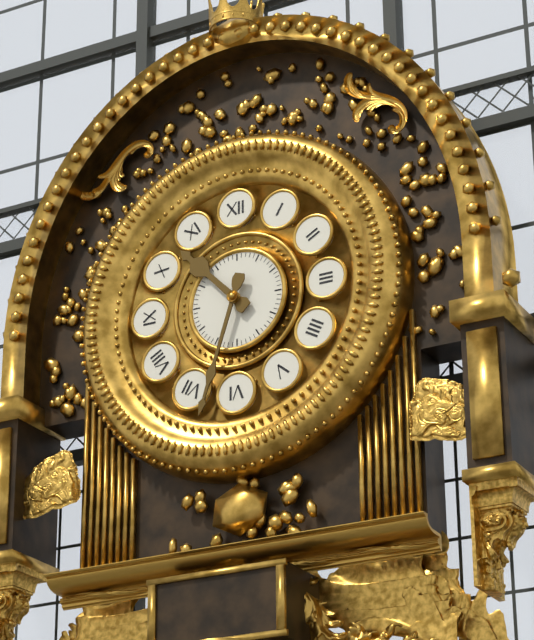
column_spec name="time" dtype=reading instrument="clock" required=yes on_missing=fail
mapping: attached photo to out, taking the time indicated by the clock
10:33
